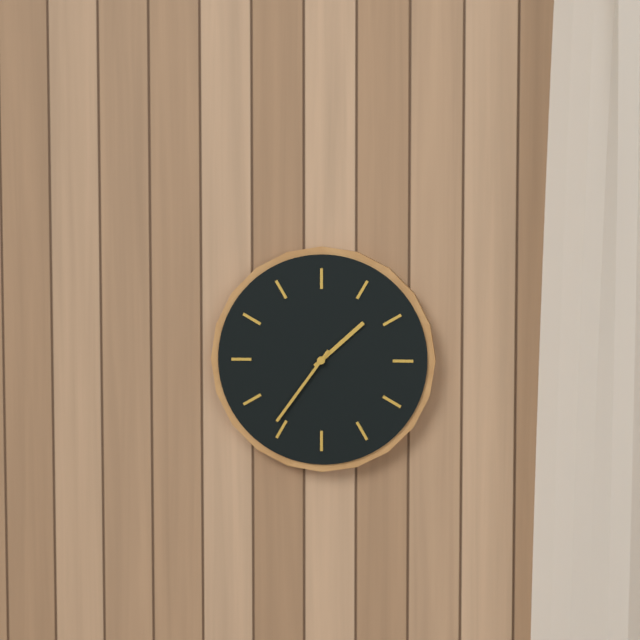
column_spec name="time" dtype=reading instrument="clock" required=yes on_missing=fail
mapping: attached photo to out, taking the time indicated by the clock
1:36
